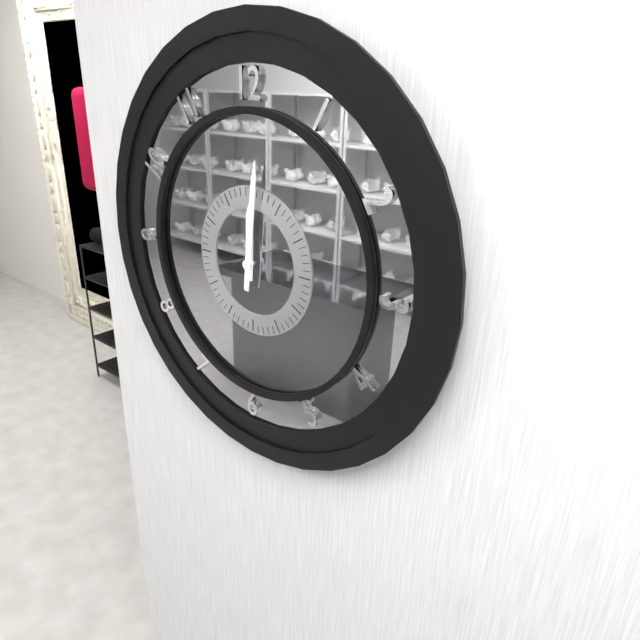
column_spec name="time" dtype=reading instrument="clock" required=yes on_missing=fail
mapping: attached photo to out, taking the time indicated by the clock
12:01
